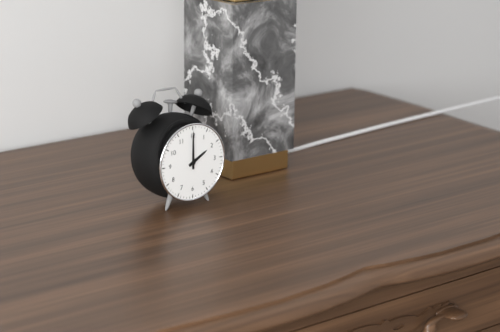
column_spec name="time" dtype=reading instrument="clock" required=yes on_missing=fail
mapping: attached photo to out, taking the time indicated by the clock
2:00
